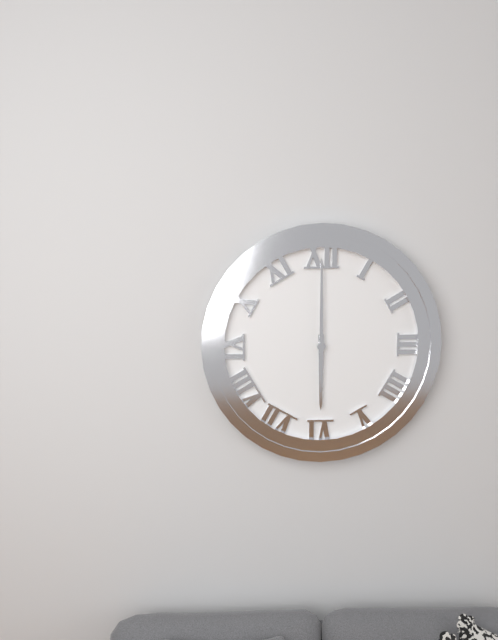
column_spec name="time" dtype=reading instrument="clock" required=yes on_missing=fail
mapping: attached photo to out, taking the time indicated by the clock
6:00
